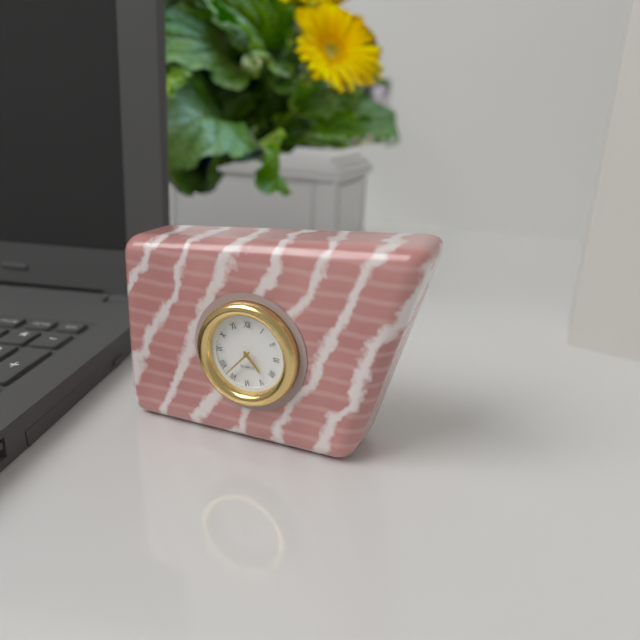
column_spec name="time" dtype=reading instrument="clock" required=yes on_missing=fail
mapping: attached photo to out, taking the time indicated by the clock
4:37
